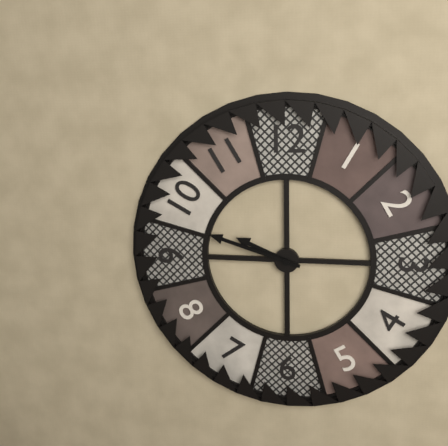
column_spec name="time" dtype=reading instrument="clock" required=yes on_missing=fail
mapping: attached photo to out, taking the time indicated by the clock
9:48
